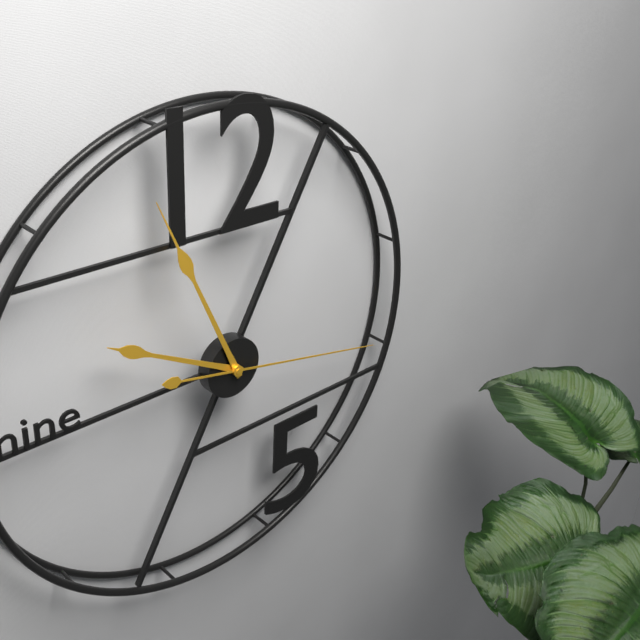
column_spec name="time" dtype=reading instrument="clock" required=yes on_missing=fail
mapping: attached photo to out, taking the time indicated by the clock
9:56:17
